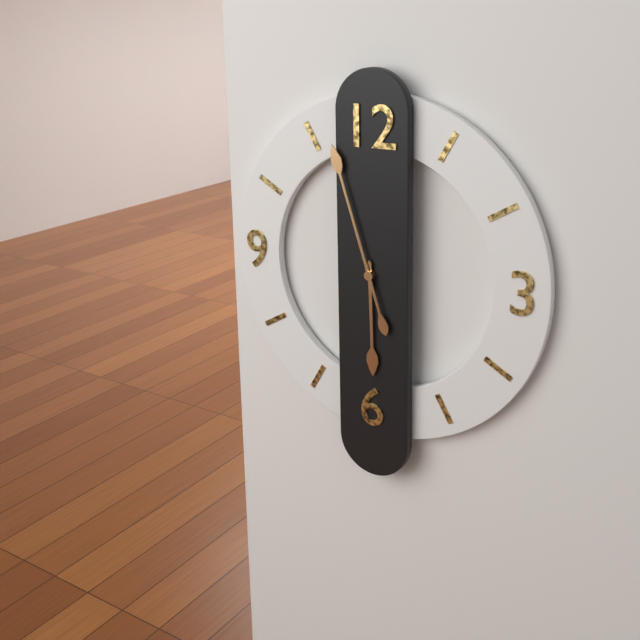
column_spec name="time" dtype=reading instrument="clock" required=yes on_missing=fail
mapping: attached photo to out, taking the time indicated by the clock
5:57
